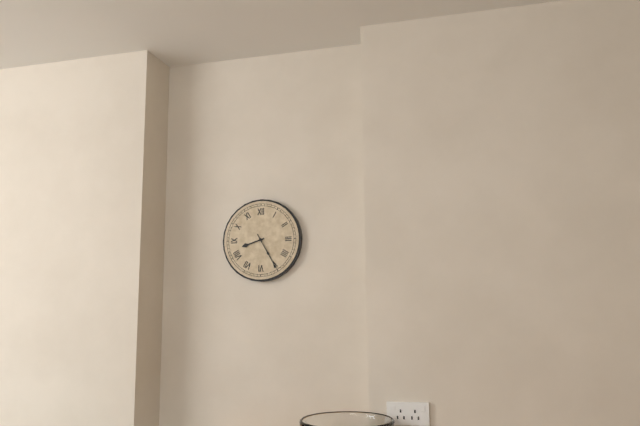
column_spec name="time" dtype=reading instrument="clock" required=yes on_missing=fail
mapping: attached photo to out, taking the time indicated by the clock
8:25
